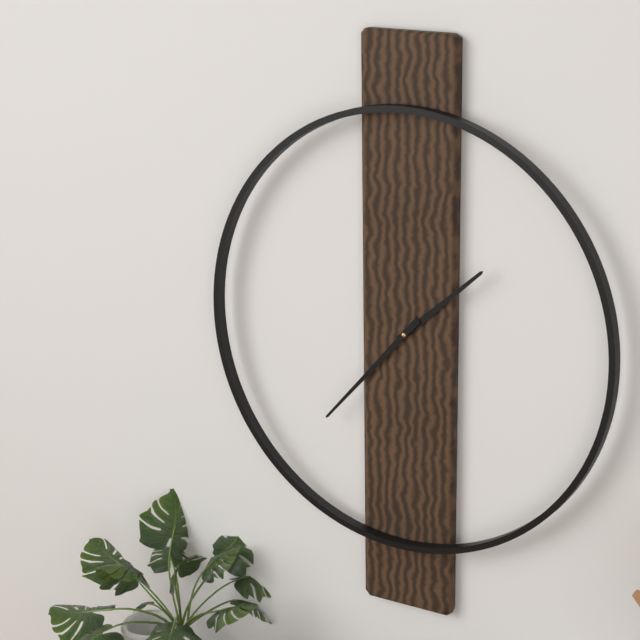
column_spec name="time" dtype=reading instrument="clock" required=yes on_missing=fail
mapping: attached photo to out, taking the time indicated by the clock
1:37
